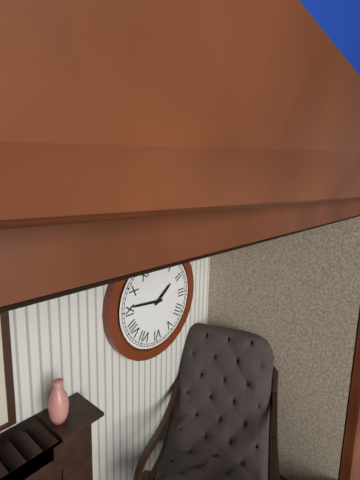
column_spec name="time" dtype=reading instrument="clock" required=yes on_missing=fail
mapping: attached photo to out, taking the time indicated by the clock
1:46
